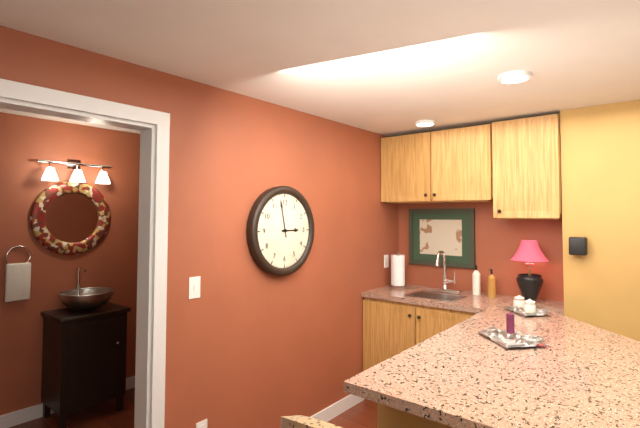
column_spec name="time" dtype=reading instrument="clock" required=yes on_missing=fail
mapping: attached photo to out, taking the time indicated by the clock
2:58
